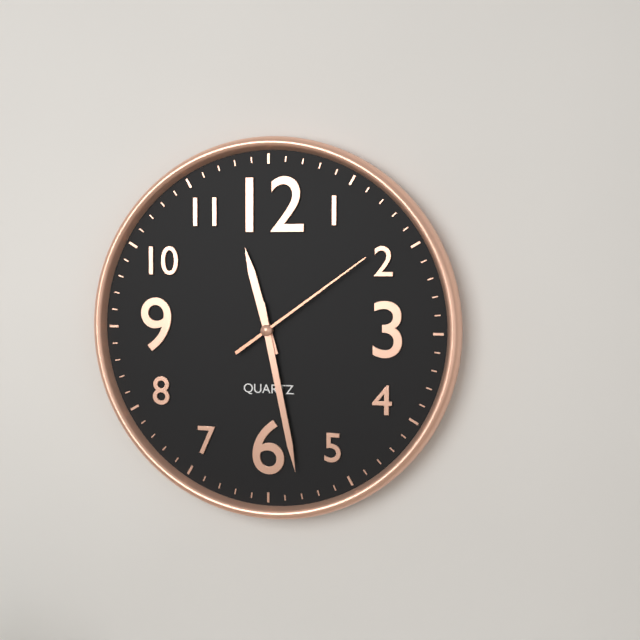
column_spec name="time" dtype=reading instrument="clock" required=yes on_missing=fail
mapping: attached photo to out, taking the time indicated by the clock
11:28:09
